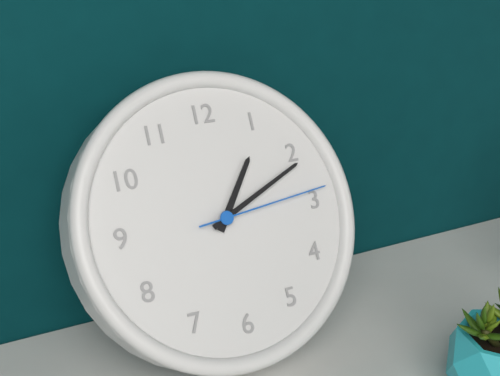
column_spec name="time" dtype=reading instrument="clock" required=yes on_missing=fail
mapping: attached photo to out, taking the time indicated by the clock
1:11:14
